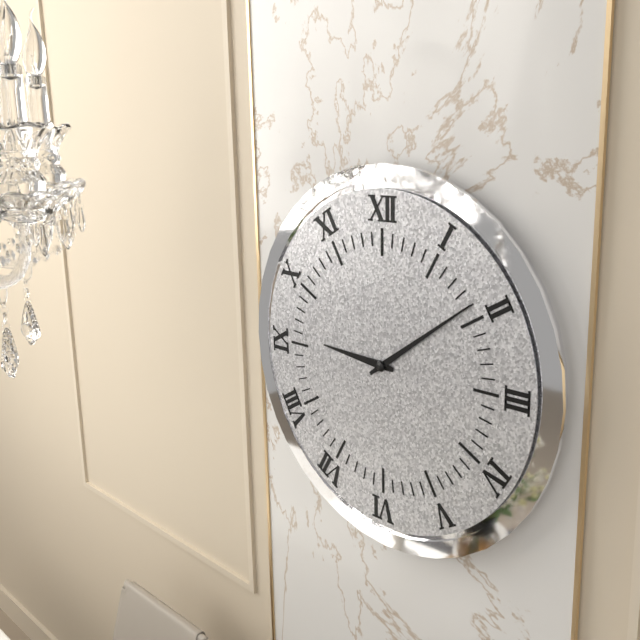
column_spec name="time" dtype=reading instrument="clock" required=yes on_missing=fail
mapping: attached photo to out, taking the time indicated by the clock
9:09
